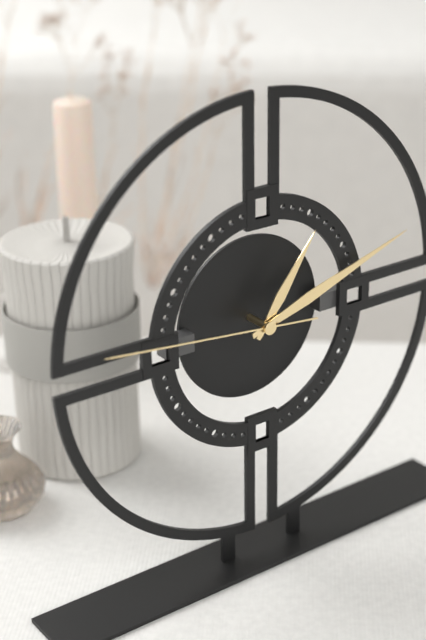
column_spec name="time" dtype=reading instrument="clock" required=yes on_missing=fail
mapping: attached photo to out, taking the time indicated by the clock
1:12:46
